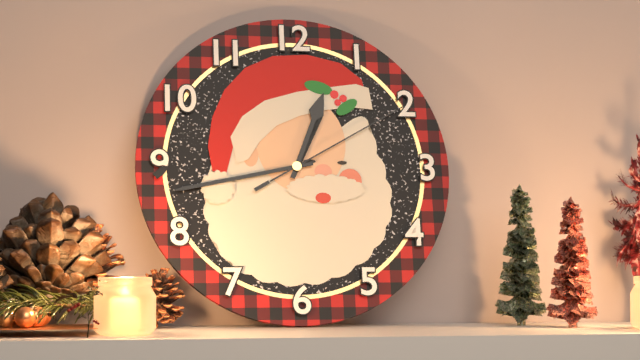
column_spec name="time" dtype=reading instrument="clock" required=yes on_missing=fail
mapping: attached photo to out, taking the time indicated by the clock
12:43:10
